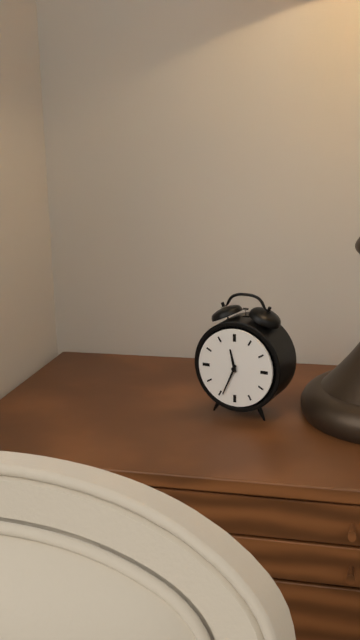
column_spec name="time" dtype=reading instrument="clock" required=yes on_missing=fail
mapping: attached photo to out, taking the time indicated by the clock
11:34
